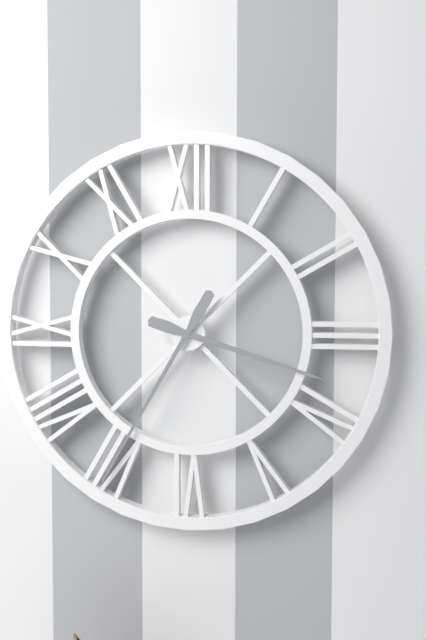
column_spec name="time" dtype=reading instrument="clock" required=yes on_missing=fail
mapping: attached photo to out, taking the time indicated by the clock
3:35
